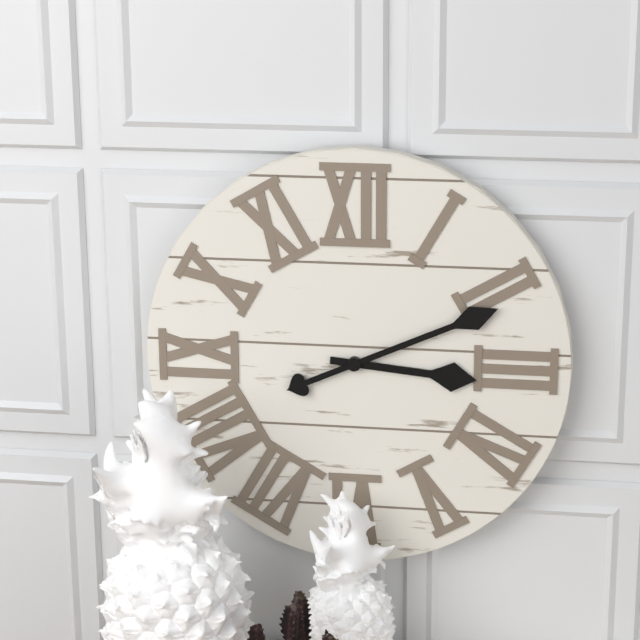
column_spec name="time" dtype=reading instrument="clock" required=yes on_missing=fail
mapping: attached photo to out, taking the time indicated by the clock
3:11
